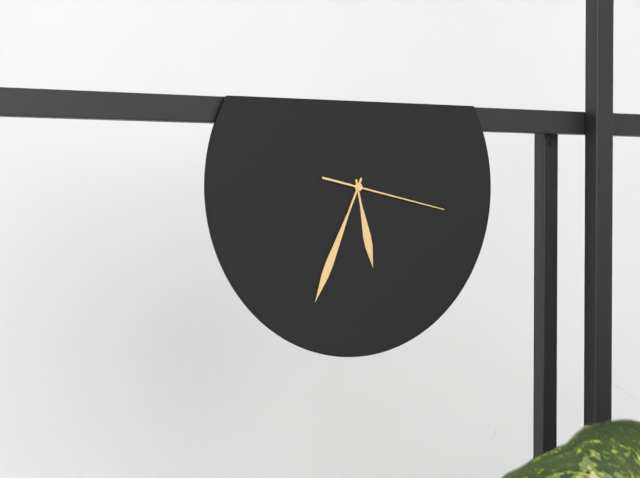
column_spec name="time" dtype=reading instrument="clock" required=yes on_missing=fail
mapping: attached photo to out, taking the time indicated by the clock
5:34:17
